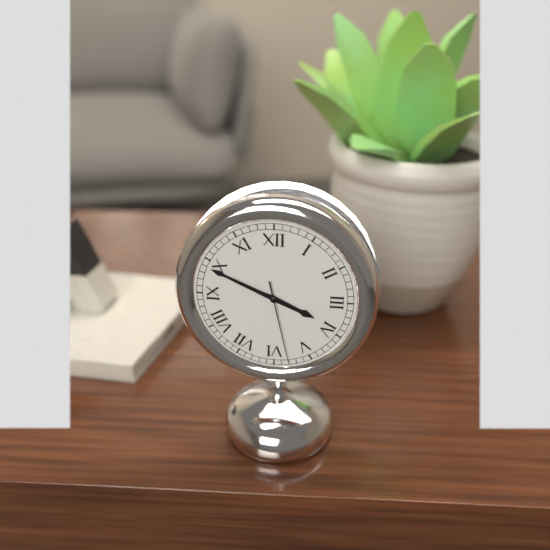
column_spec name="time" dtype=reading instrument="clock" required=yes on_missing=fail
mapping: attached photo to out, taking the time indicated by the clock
3:49:28
